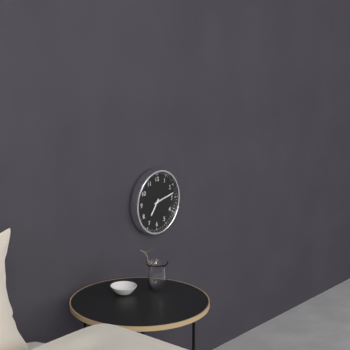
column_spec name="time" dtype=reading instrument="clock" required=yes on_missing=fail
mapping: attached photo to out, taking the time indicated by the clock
7:13
